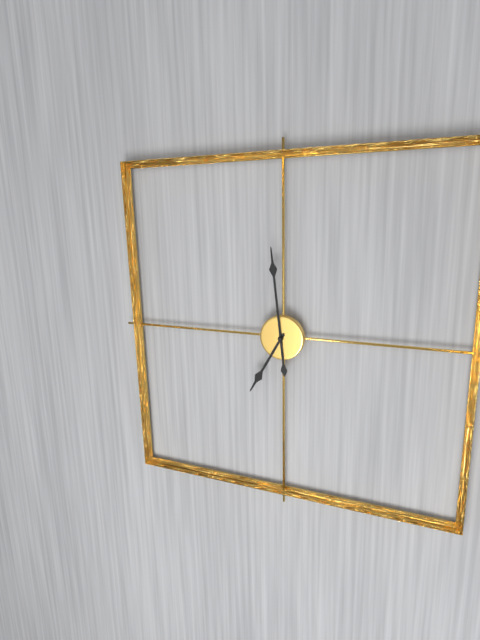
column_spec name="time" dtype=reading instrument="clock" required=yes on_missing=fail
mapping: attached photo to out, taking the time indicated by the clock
6:59
